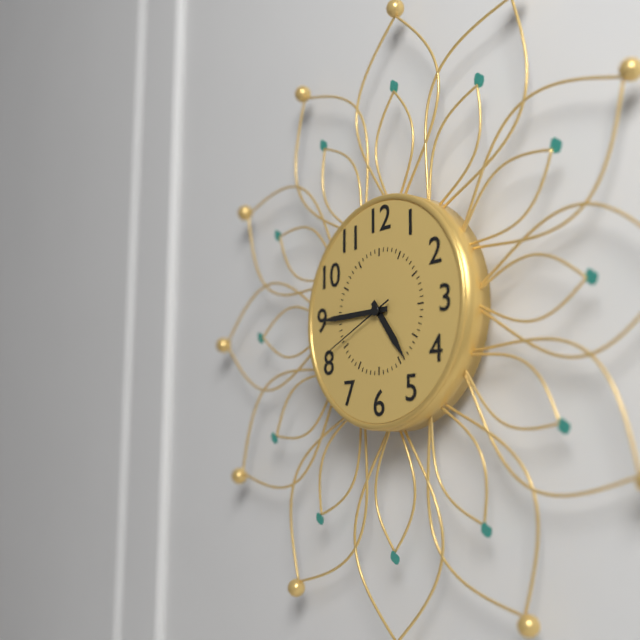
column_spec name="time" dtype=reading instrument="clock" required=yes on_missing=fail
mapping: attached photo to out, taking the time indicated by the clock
4:45:41
